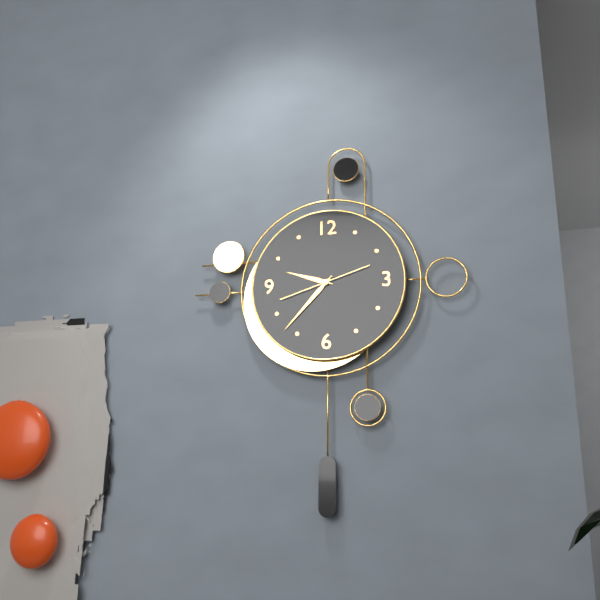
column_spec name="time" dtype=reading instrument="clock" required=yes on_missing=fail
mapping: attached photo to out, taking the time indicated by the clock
9:37:42
